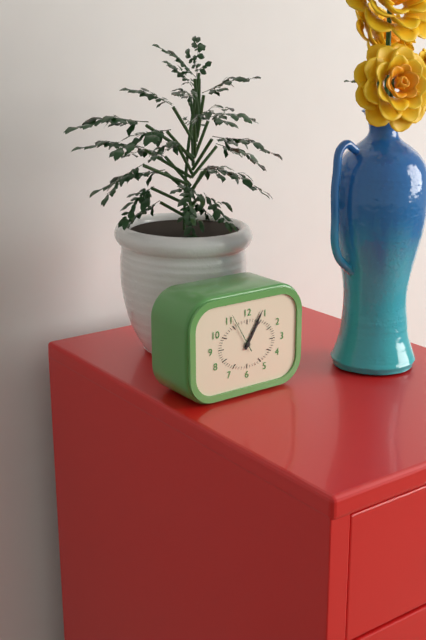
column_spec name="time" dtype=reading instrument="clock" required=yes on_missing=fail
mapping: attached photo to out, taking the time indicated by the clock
1:05
